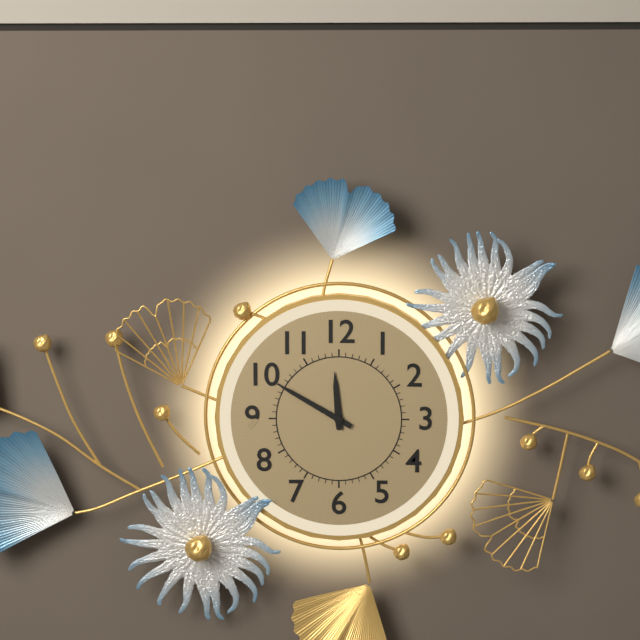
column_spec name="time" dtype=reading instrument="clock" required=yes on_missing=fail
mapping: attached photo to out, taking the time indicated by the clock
11:50
